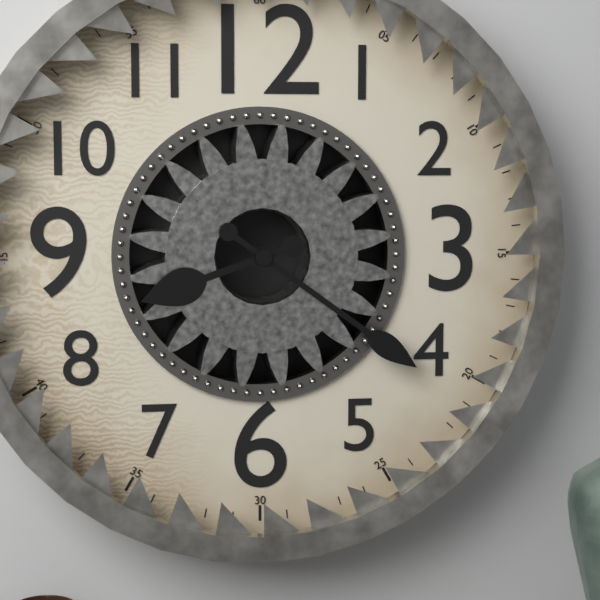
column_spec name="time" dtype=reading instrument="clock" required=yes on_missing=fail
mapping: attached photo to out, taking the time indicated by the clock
8:21
